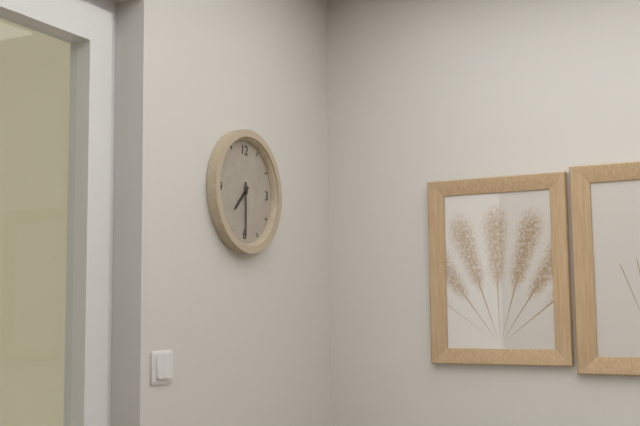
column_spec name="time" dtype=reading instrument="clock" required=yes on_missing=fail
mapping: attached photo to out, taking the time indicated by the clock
7:30
